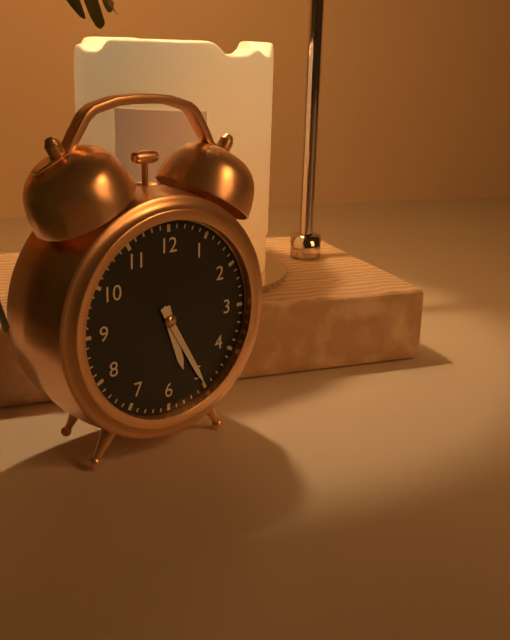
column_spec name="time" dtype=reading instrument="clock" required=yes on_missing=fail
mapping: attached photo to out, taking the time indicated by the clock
5:25
